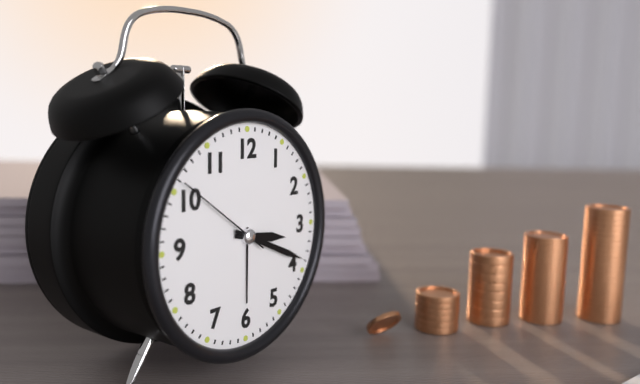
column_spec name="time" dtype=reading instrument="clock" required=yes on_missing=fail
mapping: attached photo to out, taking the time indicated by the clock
3:19:51
